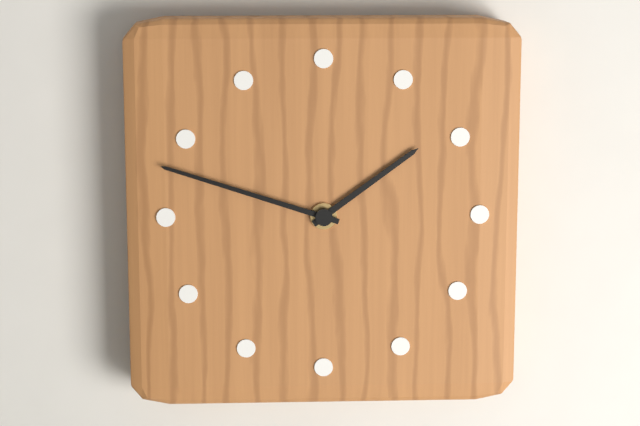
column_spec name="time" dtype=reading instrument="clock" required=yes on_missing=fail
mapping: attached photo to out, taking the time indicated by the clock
1:48
